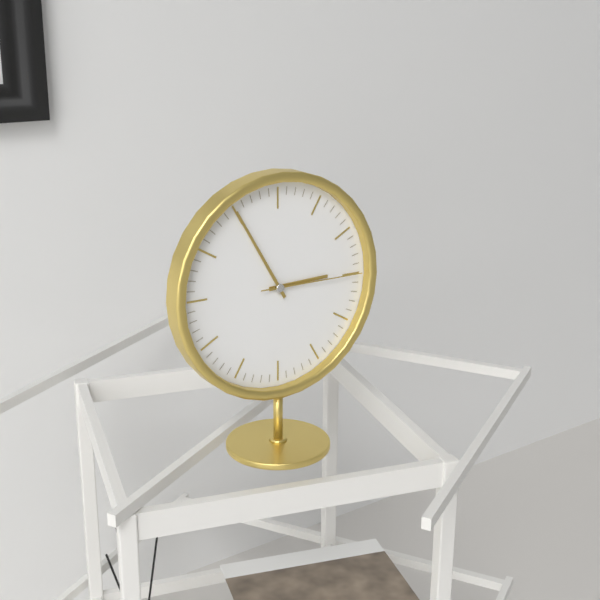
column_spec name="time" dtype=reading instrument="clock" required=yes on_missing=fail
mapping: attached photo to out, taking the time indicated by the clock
2:55:15
